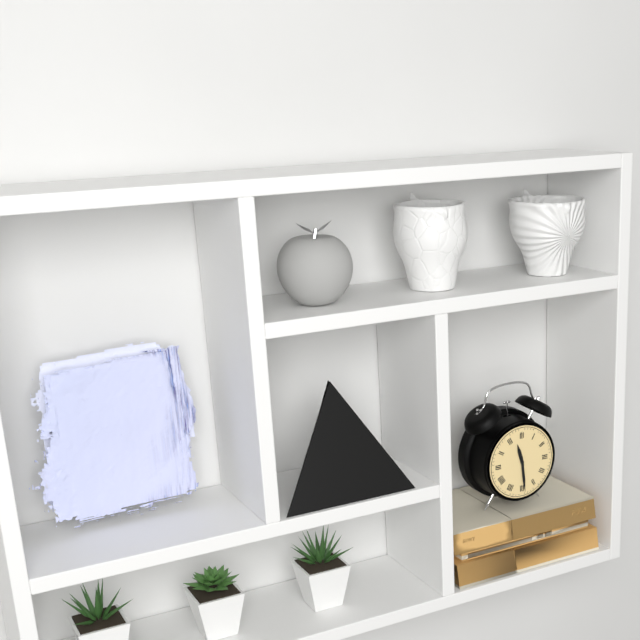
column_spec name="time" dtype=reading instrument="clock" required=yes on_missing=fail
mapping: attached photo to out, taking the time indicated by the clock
11:29
